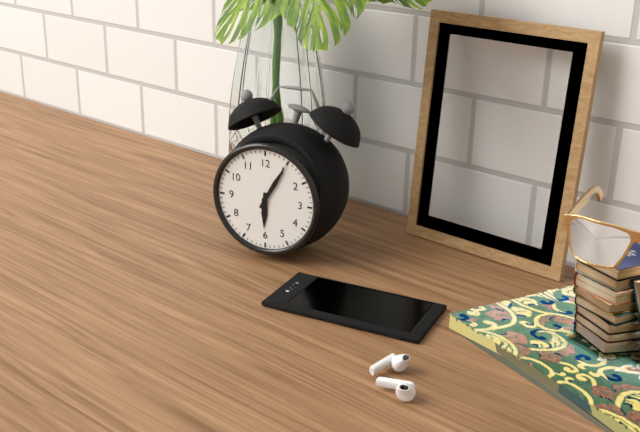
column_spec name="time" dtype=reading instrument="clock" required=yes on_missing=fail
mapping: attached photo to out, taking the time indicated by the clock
6:05
